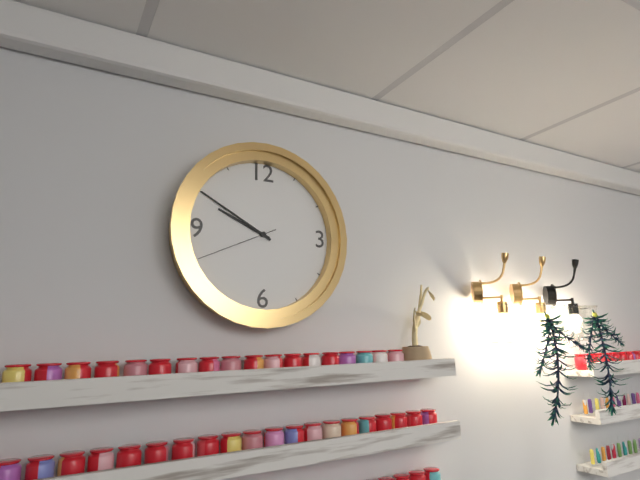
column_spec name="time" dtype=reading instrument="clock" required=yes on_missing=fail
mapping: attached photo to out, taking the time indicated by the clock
9:50:41
